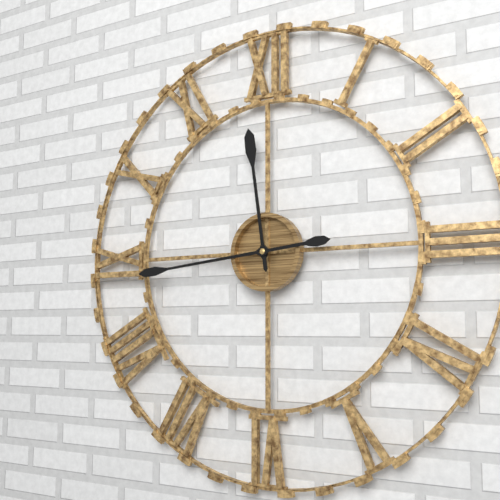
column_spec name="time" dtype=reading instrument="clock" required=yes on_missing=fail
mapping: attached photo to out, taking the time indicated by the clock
11:44
